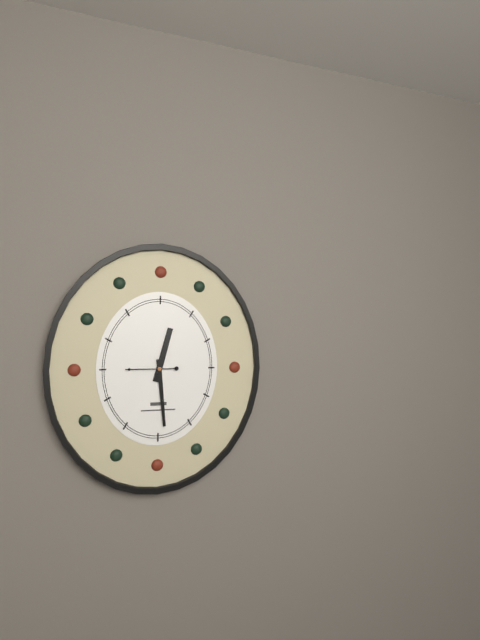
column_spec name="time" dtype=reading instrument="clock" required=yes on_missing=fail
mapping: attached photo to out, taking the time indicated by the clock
12:29
